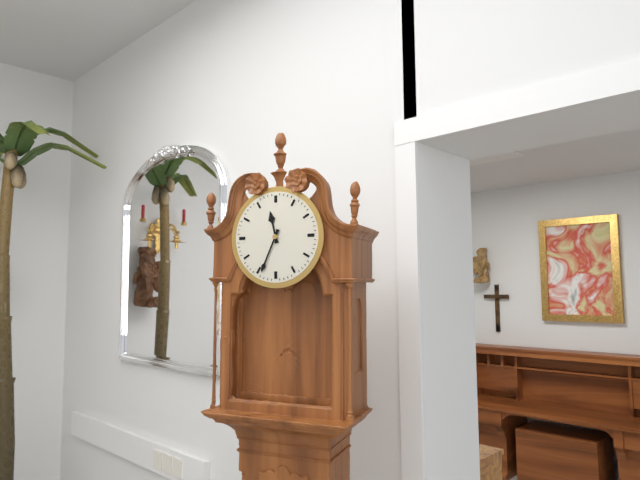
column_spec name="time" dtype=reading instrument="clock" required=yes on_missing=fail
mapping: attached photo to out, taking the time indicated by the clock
11:34
